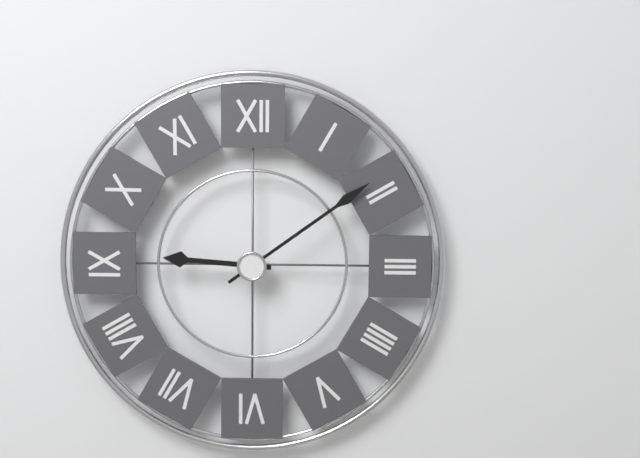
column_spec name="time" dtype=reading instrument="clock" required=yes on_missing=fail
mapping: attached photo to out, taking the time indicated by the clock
9:09
